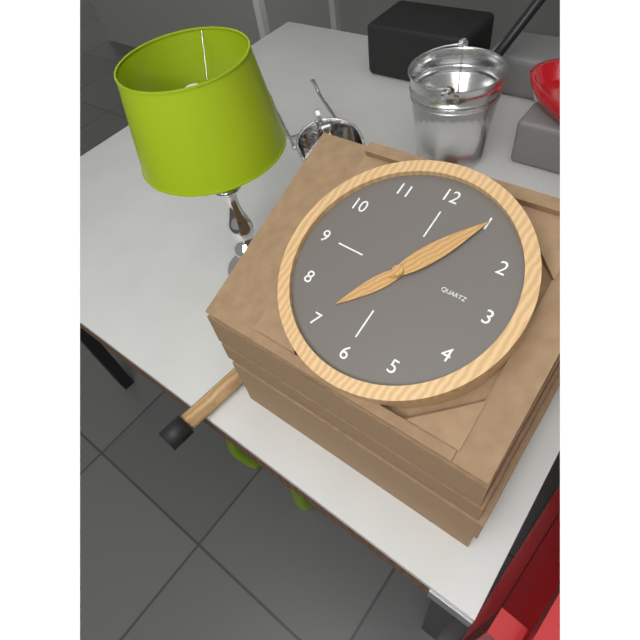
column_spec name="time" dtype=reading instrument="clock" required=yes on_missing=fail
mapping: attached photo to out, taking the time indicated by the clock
7:05
